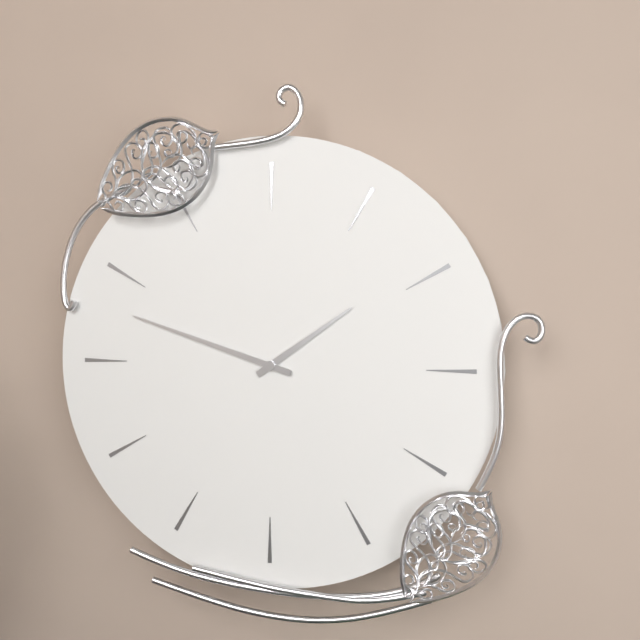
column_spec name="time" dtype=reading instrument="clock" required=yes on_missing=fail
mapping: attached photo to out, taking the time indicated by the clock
1:48
